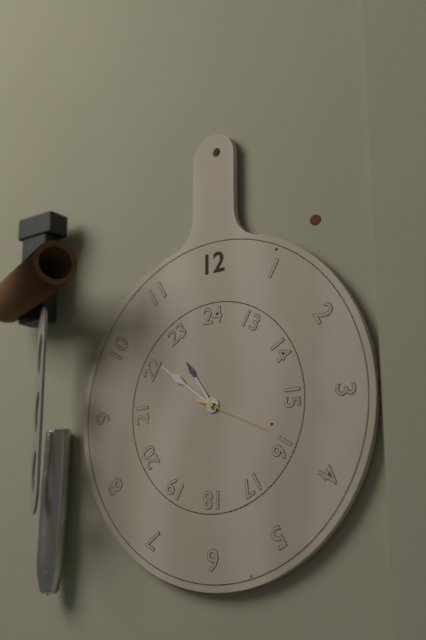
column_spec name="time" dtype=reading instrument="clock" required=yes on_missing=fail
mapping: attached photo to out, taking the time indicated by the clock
10:51:19
